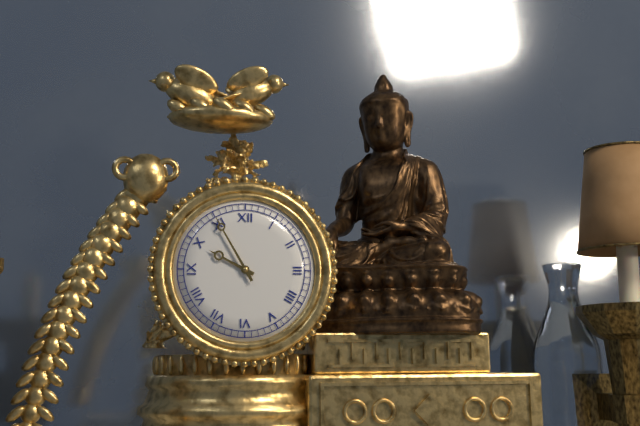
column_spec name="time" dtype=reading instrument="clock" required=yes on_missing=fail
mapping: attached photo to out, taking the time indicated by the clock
9:55
